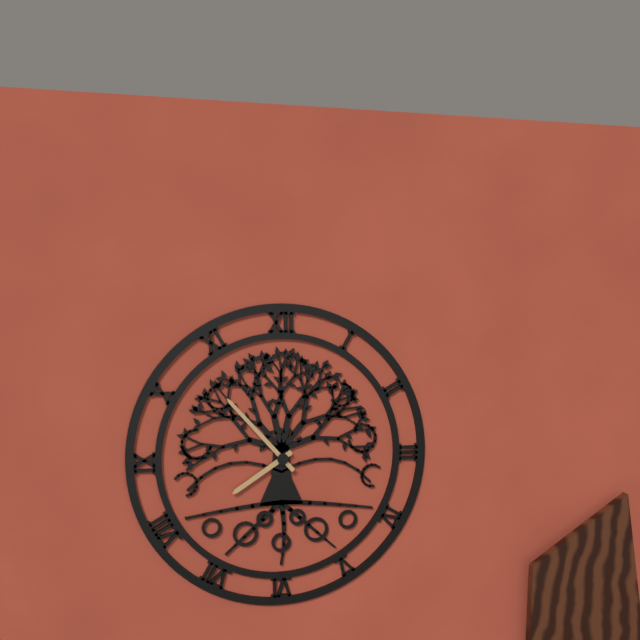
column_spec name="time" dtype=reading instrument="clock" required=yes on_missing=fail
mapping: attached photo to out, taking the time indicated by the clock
7:53
